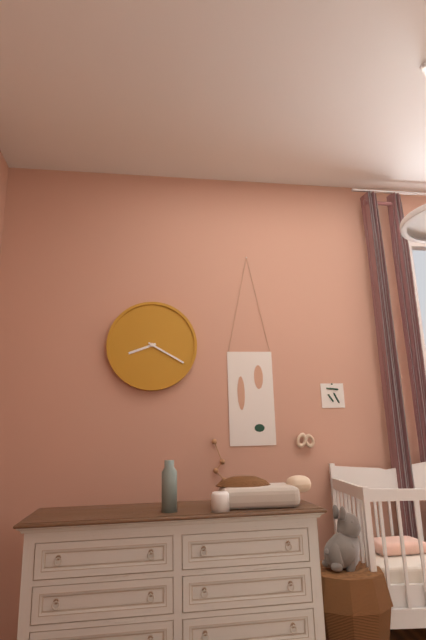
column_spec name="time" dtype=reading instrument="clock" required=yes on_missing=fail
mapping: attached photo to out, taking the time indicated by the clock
8:20
